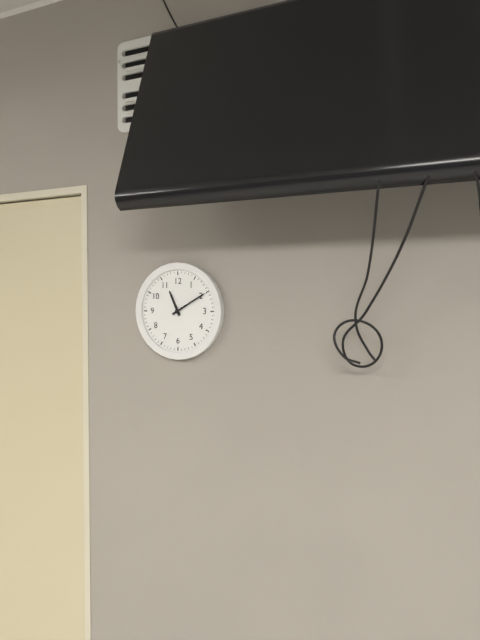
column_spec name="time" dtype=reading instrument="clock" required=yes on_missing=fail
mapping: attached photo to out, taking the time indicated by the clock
11:10
